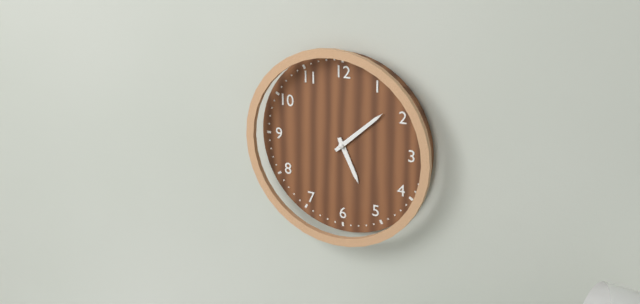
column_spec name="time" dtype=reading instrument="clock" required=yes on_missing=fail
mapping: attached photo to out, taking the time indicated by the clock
5:08
